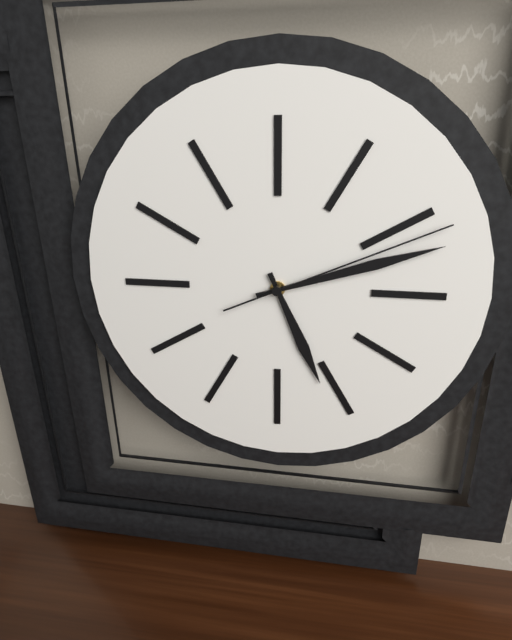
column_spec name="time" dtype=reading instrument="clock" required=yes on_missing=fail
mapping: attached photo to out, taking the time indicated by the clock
5:12:11
